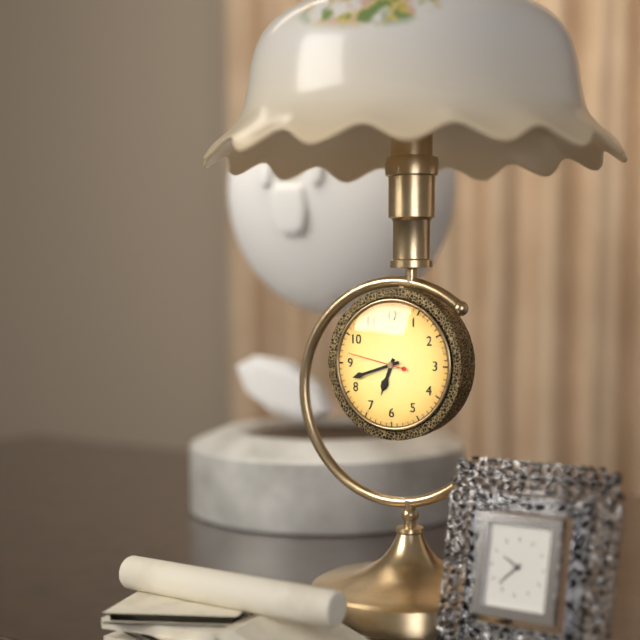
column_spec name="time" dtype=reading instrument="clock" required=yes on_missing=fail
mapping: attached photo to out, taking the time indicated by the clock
6:42:47
